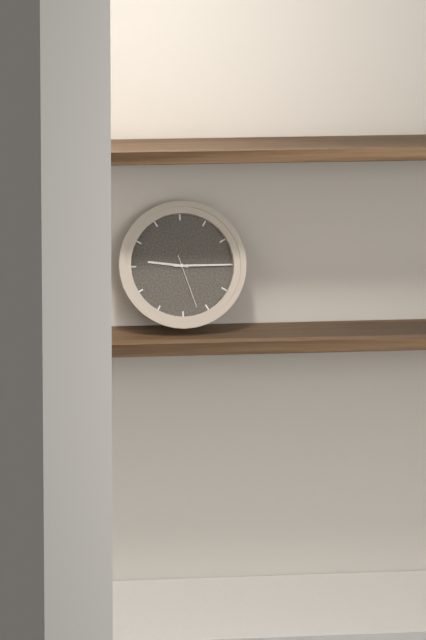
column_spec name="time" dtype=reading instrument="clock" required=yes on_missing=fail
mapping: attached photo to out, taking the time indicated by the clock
9:15:27
